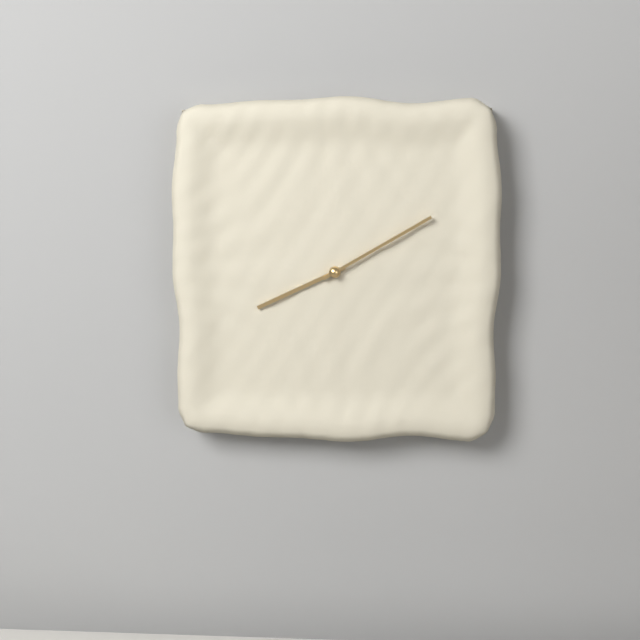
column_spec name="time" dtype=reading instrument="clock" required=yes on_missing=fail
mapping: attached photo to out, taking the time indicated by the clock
8:10
